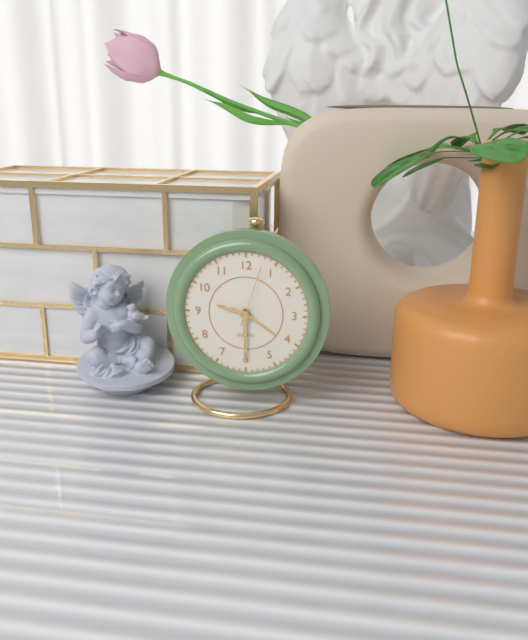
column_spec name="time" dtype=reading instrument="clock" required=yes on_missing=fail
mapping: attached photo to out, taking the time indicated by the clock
9:30:03
